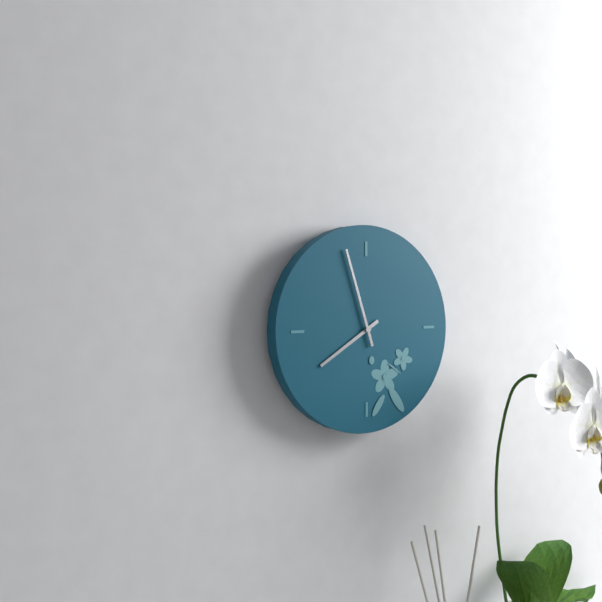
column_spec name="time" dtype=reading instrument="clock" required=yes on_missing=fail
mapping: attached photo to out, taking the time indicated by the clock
7:57
